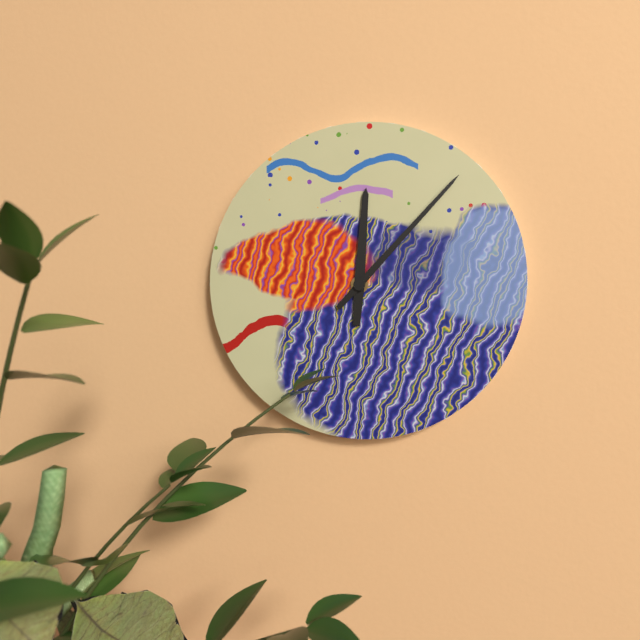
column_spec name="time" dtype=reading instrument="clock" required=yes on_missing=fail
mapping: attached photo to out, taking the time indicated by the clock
12:07
